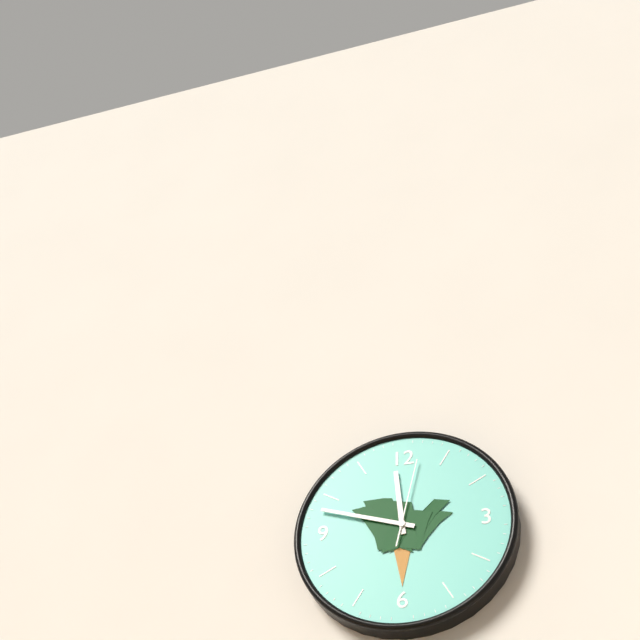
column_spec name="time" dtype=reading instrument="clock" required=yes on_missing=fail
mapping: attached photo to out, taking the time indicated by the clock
11:48:02
